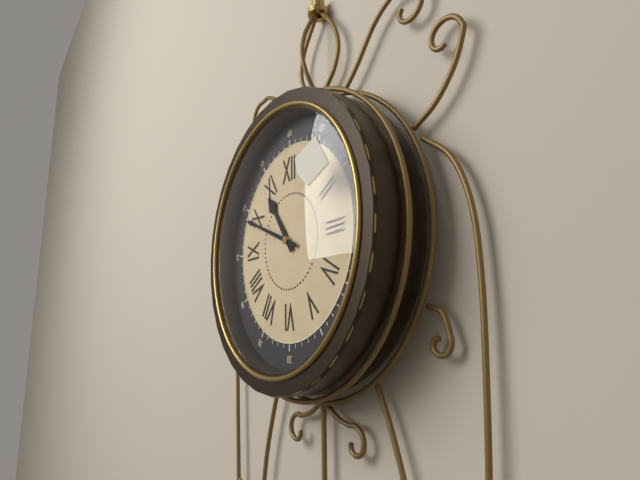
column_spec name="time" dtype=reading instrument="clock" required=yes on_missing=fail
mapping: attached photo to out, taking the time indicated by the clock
10:49
